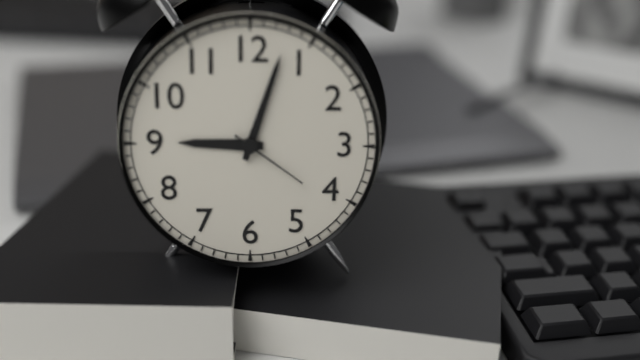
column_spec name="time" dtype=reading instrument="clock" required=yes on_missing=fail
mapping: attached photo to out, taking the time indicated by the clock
9:03:21
